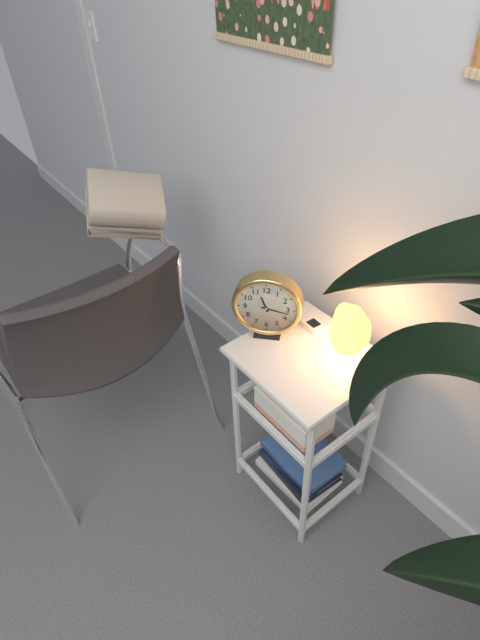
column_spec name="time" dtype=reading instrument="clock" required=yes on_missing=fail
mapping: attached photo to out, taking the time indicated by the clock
11:17
